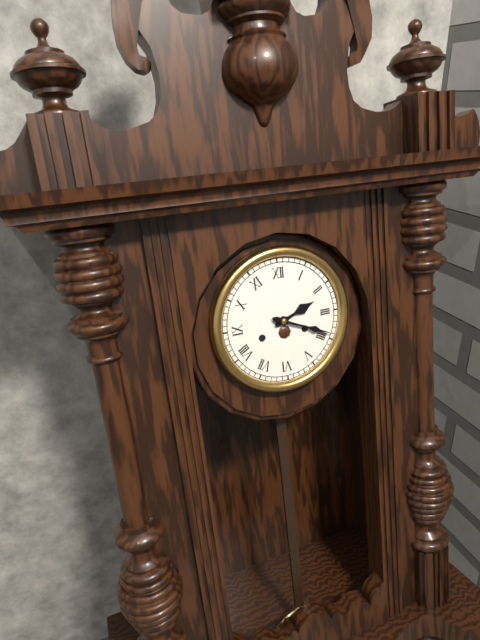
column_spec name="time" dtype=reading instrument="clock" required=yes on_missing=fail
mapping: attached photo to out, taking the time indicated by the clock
2:19
